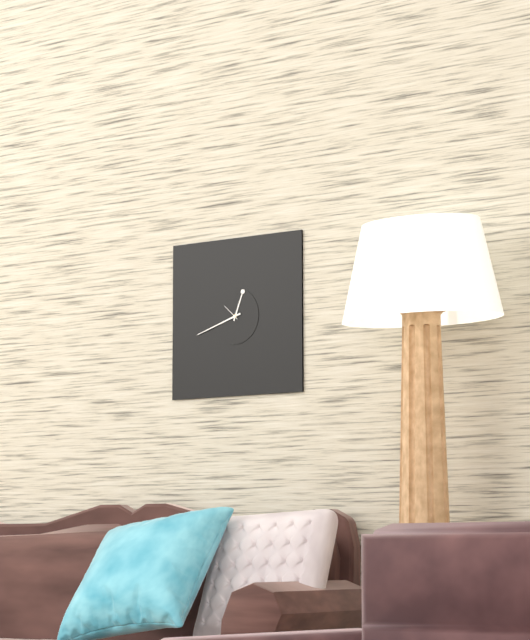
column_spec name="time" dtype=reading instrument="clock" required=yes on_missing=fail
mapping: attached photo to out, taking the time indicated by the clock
12:42
